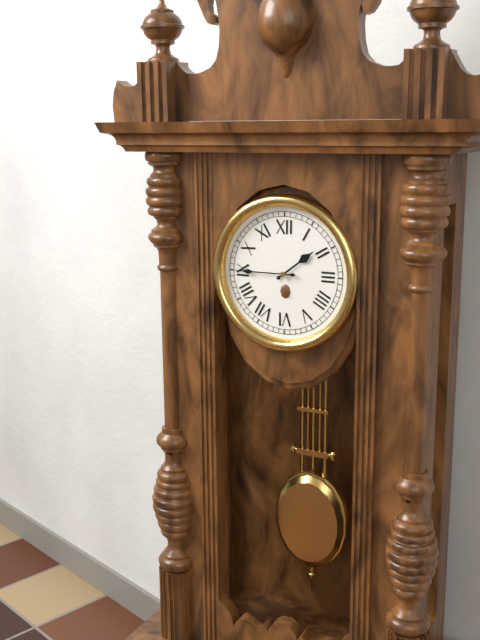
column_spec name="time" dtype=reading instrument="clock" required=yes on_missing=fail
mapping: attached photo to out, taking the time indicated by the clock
1:45
